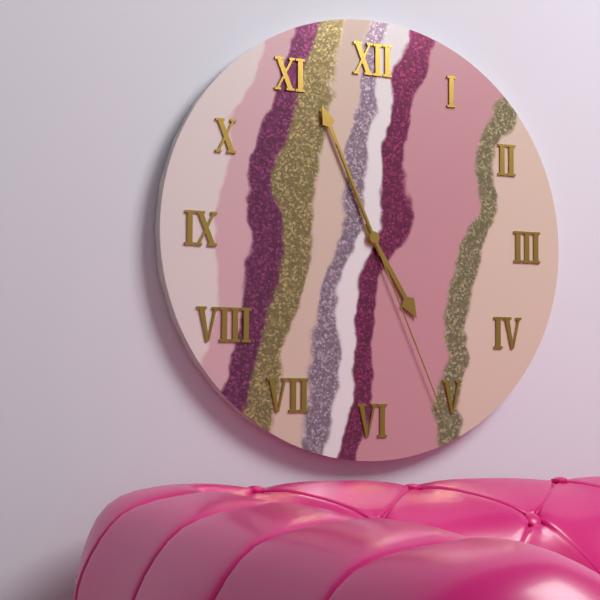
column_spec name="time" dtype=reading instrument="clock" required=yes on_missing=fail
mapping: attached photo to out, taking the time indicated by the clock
4:56:26
